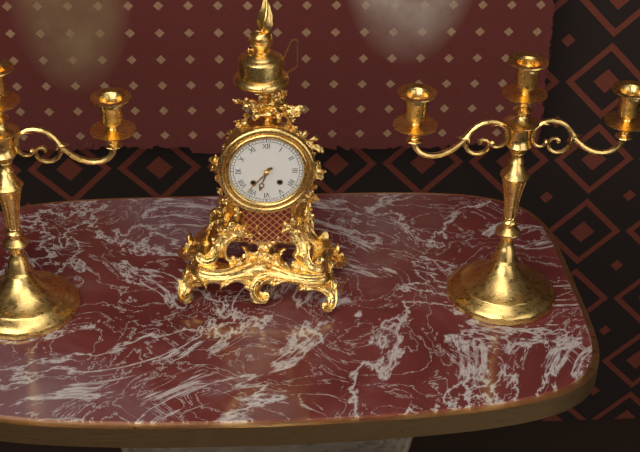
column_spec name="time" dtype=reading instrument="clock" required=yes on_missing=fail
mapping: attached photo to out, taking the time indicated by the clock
6:37
